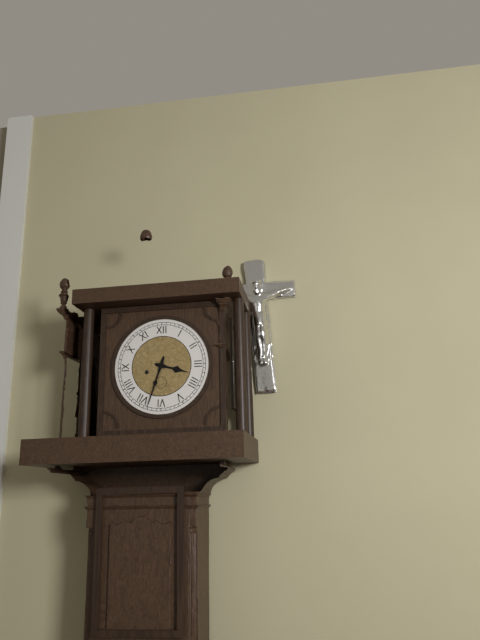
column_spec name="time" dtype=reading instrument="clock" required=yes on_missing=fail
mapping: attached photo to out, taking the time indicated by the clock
3:33
